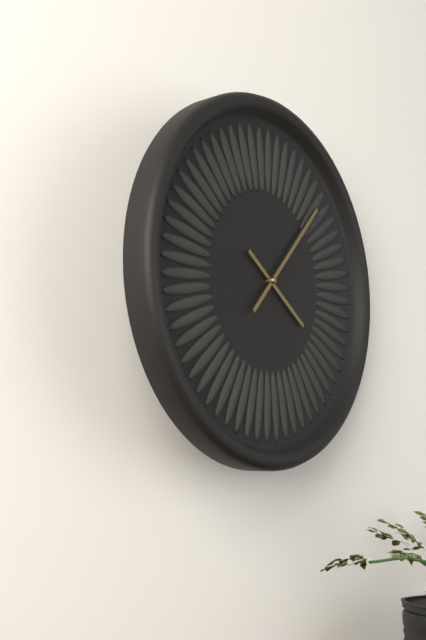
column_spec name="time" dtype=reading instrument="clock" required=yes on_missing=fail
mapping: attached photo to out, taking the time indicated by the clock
4:07
